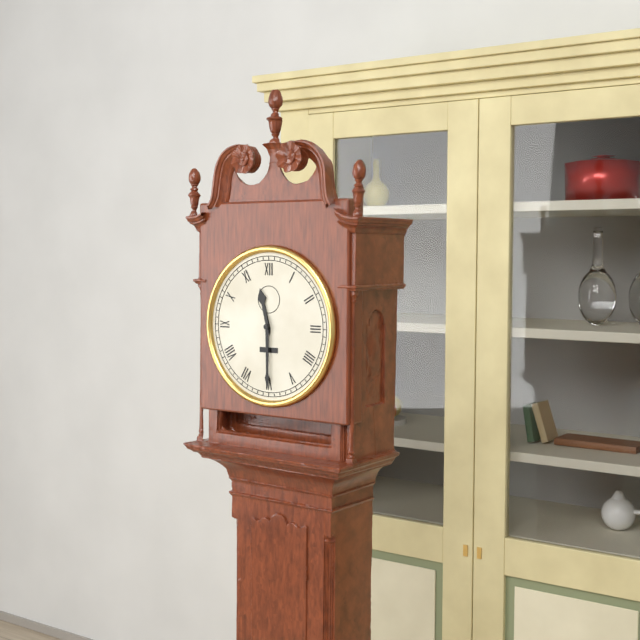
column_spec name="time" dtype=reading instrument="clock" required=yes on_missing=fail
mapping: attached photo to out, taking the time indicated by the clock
11:30
